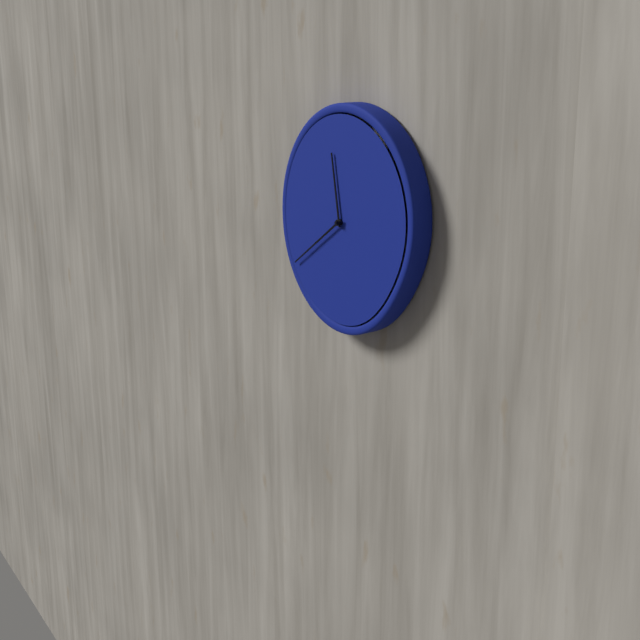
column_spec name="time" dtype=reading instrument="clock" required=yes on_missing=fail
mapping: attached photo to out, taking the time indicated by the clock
11:39
